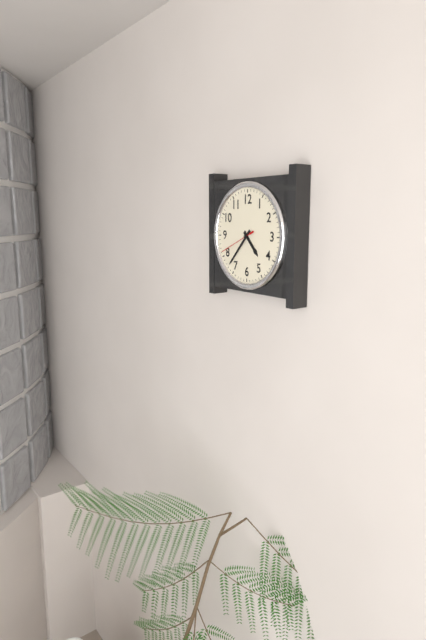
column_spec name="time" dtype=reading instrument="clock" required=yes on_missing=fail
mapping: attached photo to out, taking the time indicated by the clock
4:37
